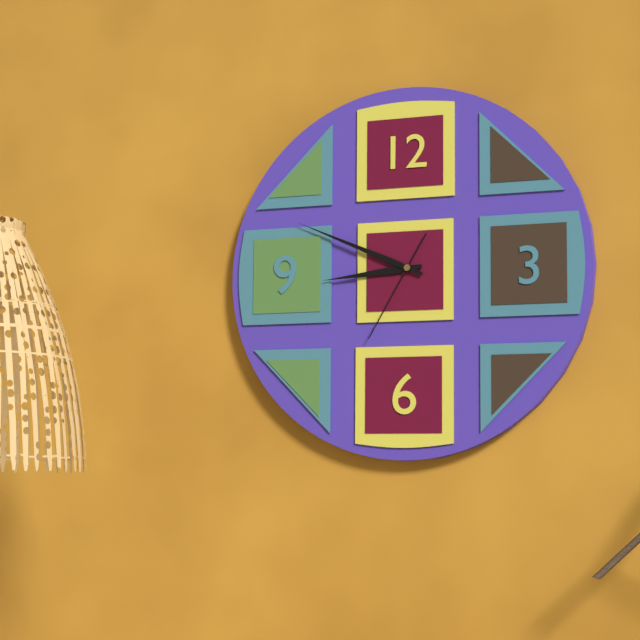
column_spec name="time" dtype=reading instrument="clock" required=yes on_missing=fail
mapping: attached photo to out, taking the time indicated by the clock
8:49:35
